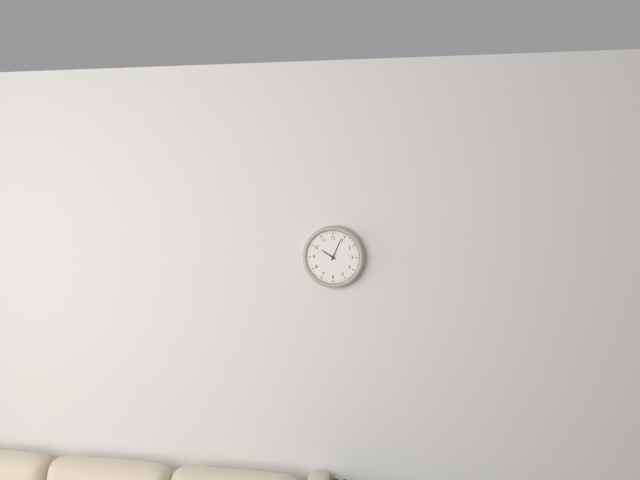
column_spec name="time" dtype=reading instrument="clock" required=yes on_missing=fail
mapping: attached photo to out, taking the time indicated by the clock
10:04
